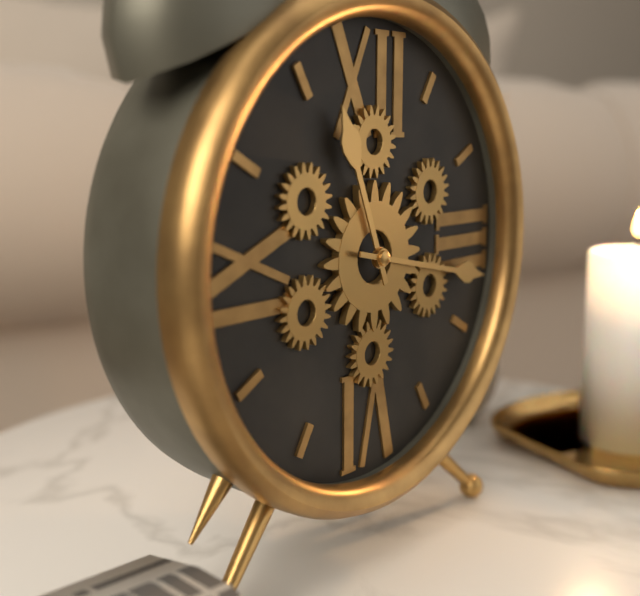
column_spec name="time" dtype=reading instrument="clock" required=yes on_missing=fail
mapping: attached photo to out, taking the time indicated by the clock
11:17
